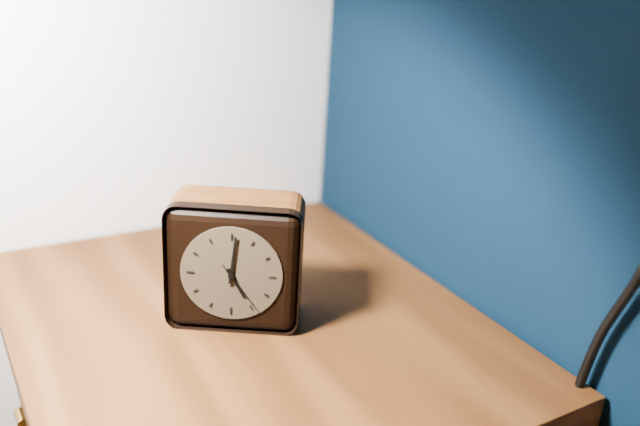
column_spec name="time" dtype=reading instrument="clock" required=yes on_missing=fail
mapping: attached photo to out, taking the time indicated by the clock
5:01:24
